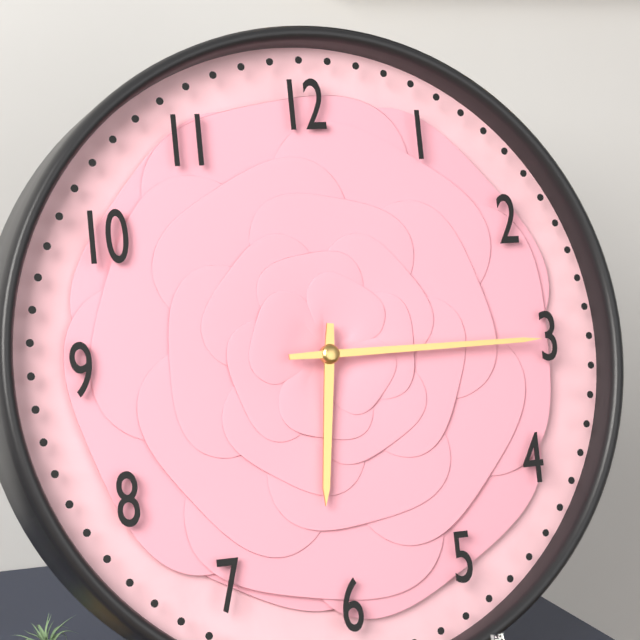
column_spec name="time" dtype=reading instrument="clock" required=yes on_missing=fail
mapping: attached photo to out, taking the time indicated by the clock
6:15
